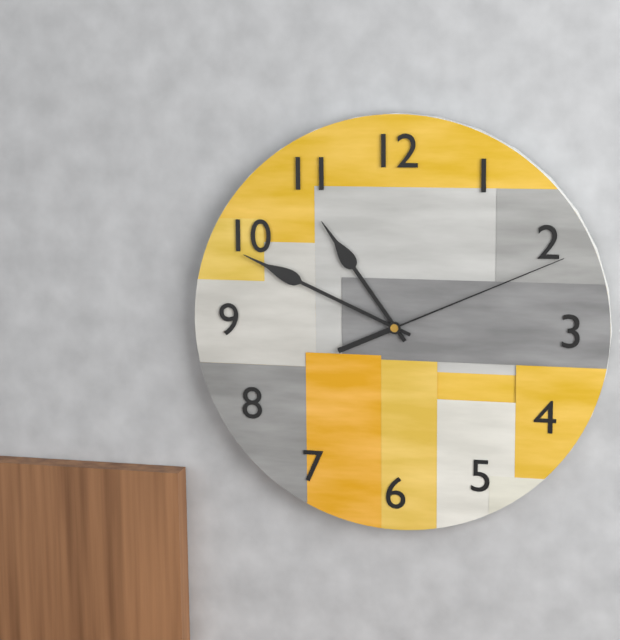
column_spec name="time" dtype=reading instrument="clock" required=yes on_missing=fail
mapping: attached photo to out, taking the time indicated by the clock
10:49:11
